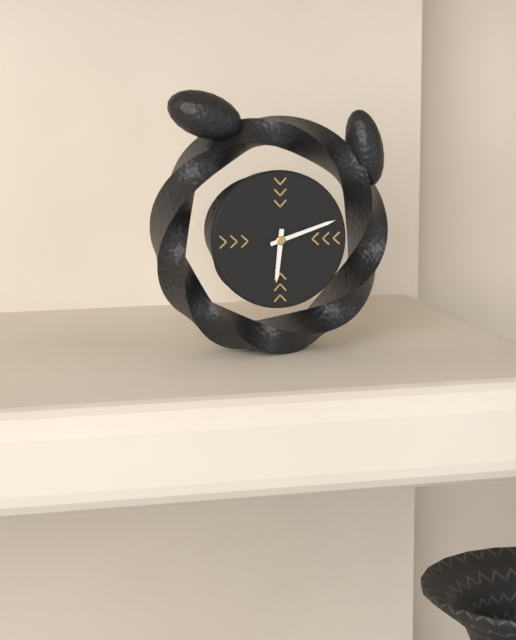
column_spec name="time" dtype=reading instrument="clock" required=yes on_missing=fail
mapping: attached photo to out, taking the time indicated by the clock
6:12
